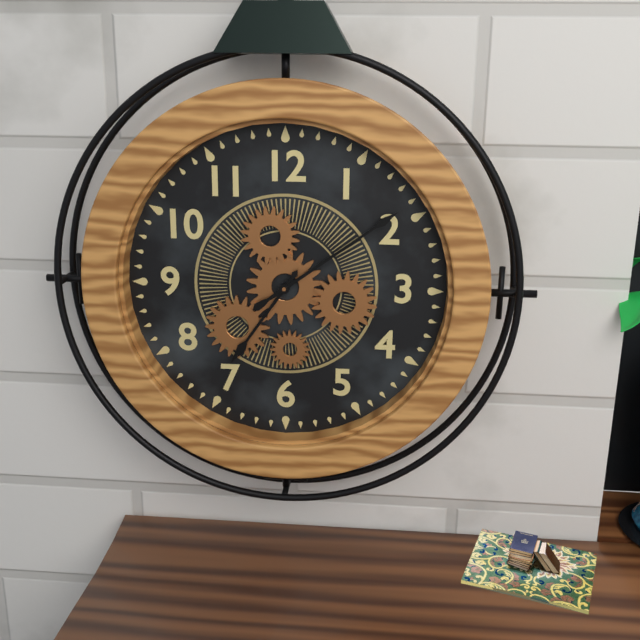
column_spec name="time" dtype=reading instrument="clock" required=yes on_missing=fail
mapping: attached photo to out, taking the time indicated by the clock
7:09
